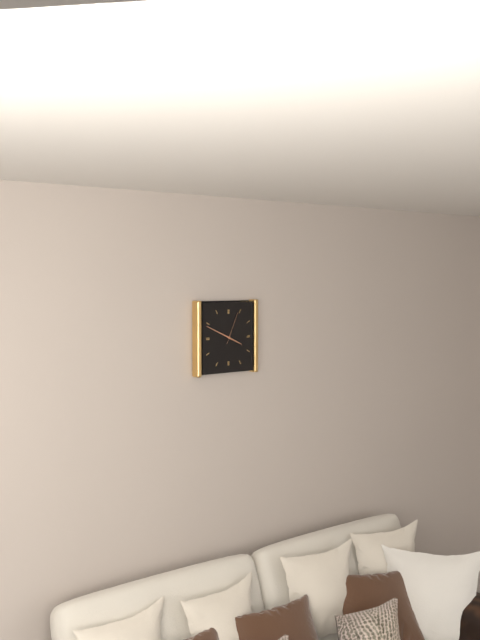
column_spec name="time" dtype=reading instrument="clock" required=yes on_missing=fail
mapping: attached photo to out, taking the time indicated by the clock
3:49
